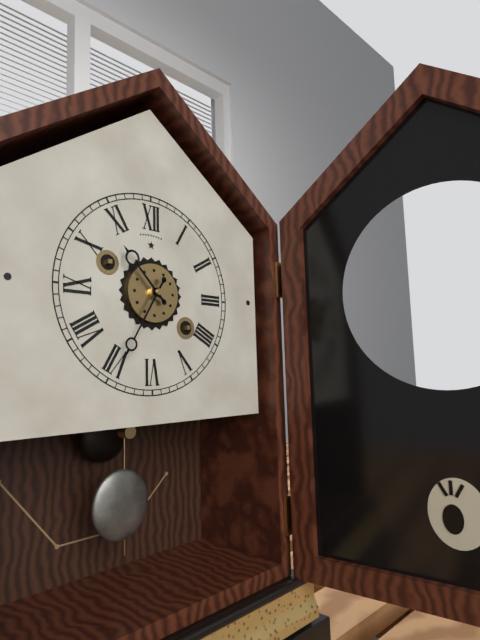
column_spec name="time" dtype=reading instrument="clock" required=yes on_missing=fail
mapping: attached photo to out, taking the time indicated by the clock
10:35
